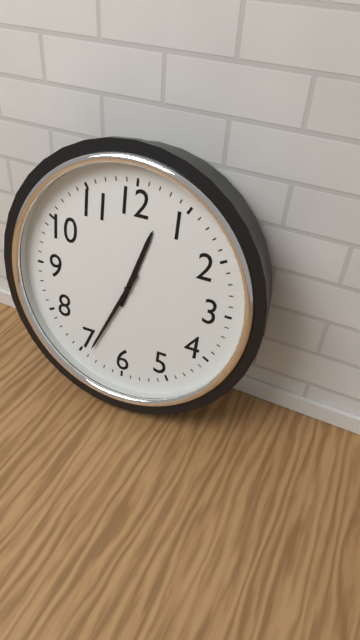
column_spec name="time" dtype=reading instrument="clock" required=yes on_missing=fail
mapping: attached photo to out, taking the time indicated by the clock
12:34
